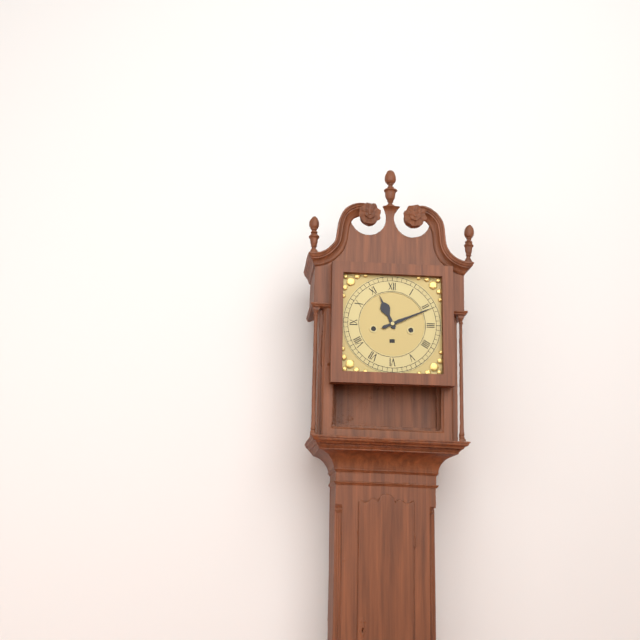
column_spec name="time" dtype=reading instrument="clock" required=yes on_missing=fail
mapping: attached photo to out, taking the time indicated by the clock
11:11
